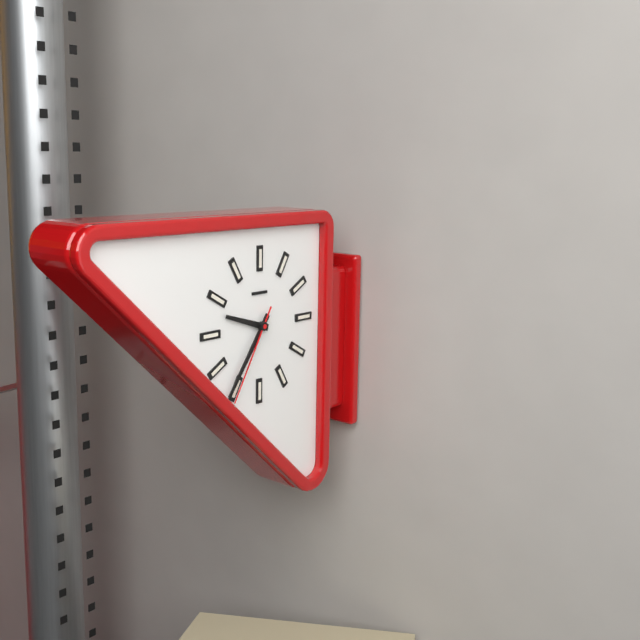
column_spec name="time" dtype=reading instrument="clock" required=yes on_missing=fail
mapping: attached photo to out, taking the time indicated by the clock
9:36:35
